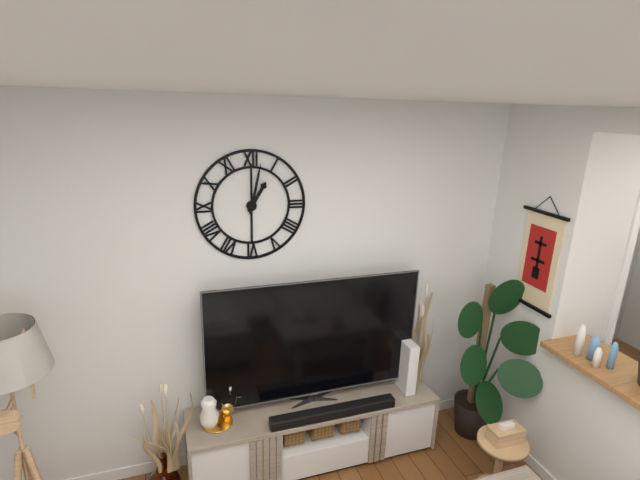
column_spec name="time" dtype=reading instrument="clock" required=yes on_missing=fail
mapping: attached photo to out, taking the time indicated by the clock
1:02
